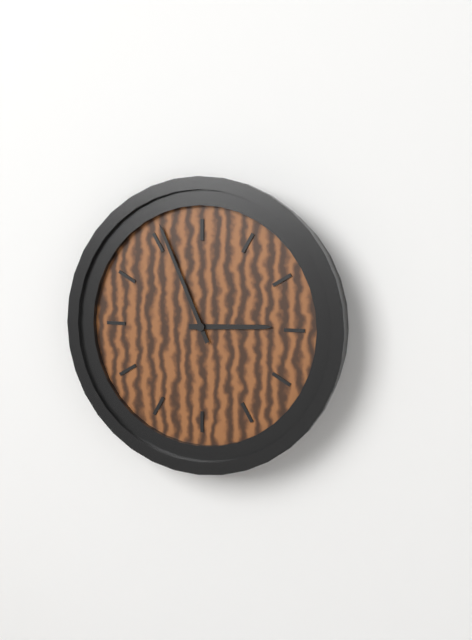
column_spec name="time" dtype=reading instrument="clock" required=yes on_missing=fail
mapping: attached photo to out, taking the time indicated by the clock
2:56
